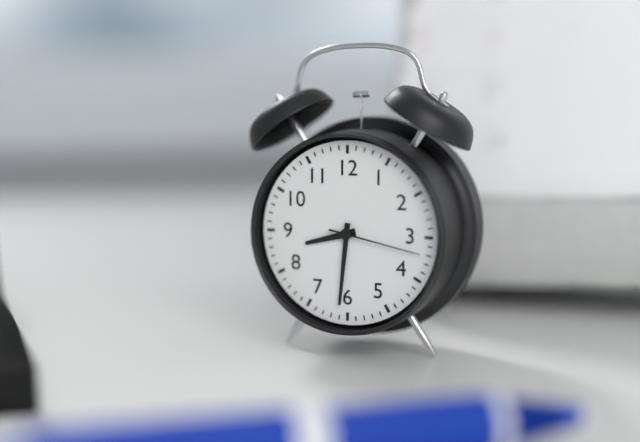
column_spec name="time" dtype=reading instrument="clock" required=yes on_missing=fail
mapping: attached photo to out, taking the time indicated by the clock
8:31:17
